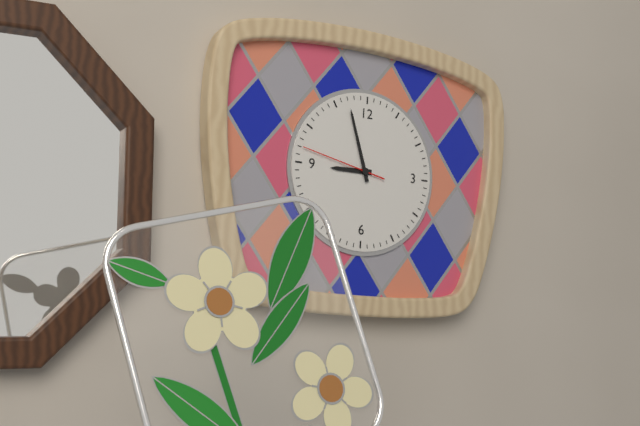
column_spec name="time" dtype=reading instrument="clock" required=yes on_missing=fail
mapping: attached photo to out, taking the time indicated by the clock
8:57:47
